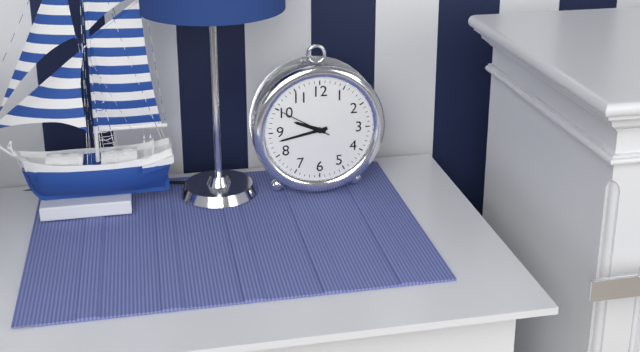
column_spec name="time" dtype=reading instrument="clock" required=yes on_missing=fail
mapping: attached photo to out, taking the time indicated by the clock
9:43:50
